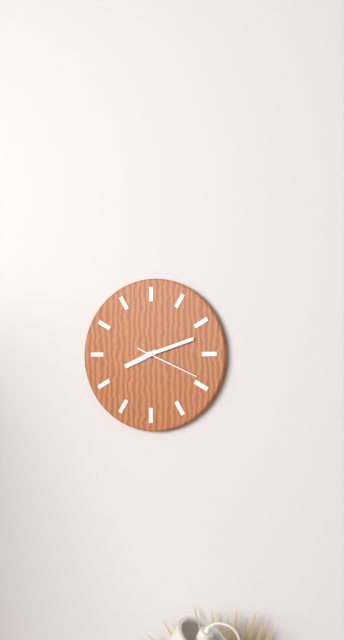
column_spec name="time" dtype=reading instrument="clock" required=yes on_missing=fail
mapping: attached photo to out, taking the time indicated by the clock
8:12:19
